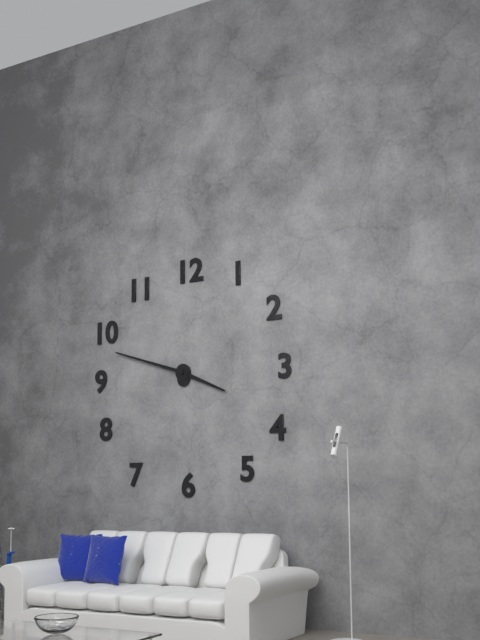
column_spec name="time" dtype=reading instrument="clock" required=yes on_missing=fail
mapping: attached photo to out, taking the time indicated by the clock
3:48
